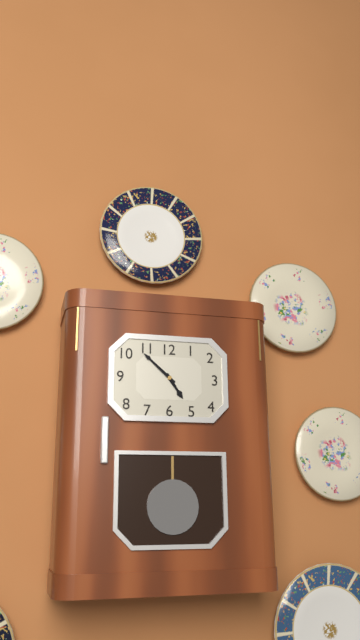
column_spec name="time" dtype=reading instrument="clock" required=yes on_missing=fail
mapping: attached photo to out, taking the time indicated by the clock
4:52
